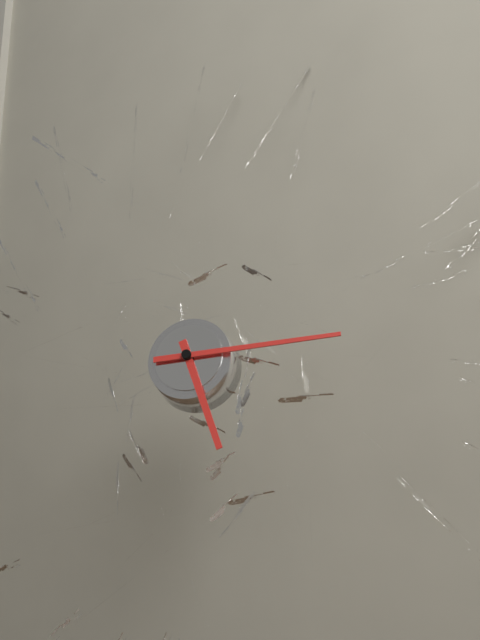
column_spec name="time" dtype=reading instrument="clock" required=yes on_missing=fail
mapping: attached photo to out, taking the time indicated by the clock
5:14
